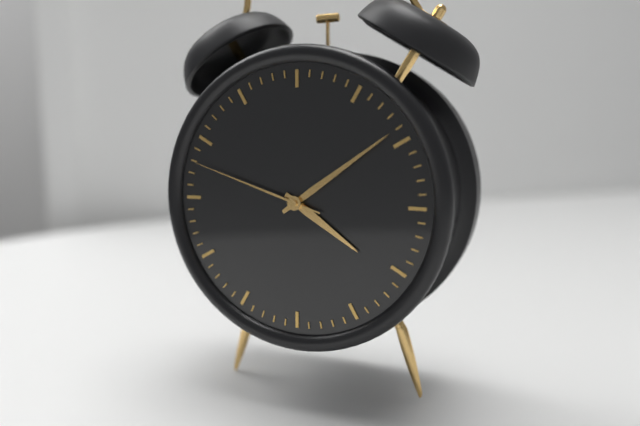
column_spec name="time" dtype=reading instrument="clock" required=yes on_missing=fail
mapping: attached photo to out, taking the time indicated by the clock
4:09:48
